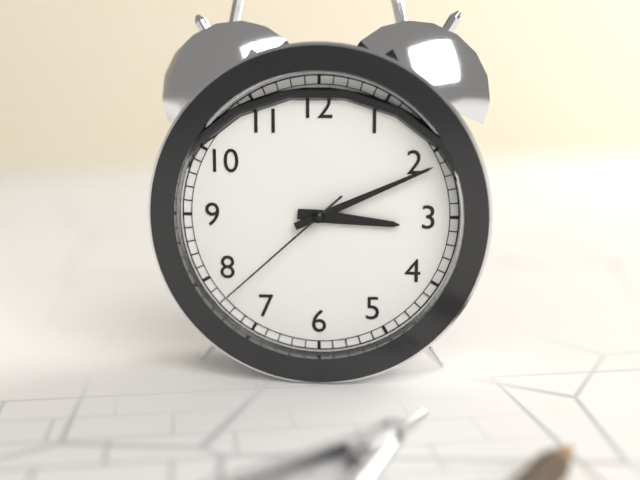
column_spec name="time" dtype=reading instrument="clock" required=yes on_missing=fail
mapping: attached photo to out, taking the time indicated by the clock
3:11:38
